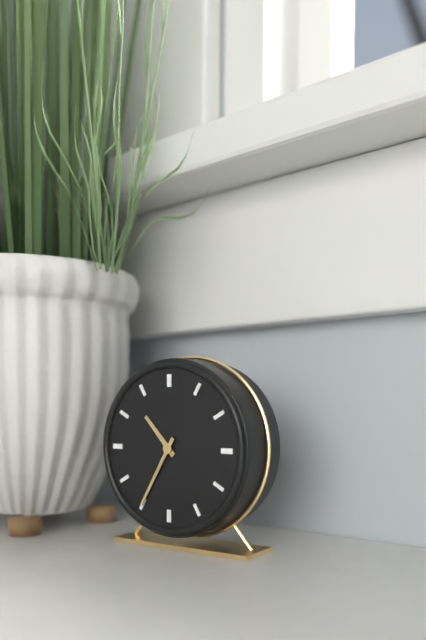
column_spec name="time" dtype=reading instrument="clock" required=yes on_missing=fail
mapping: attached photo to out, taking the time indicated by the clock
10:35
